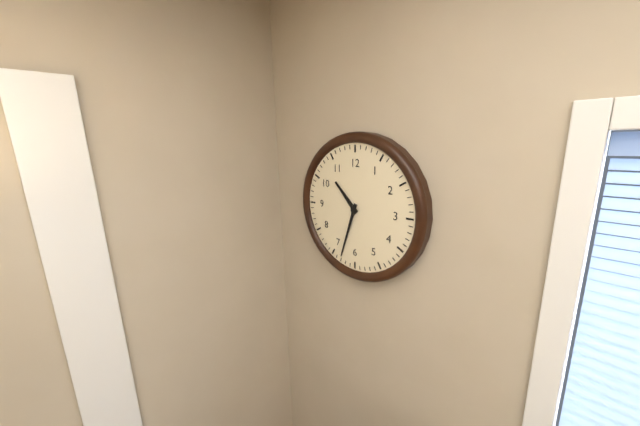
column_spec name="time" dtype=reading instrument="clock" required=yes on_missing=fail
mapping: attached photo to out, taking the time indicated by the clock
10:33
